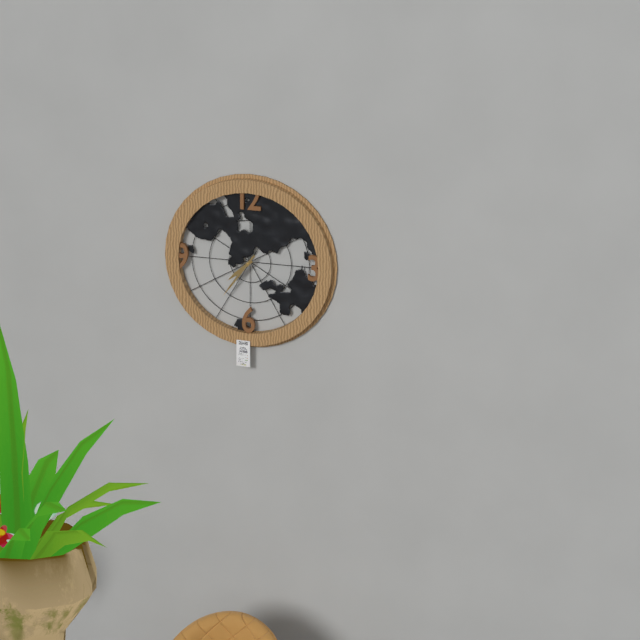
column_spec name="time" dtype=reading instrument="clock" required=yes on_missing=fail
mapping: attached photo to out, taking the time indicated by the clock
7:36
